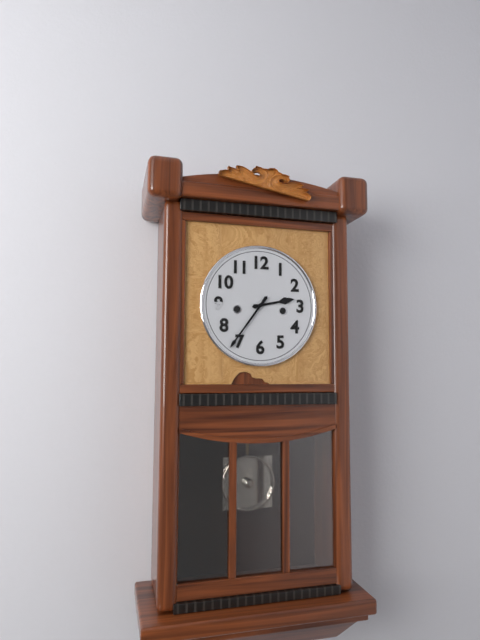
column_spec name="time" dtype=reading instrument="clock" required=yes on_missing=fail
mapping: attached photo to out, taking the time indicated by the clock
2:36
